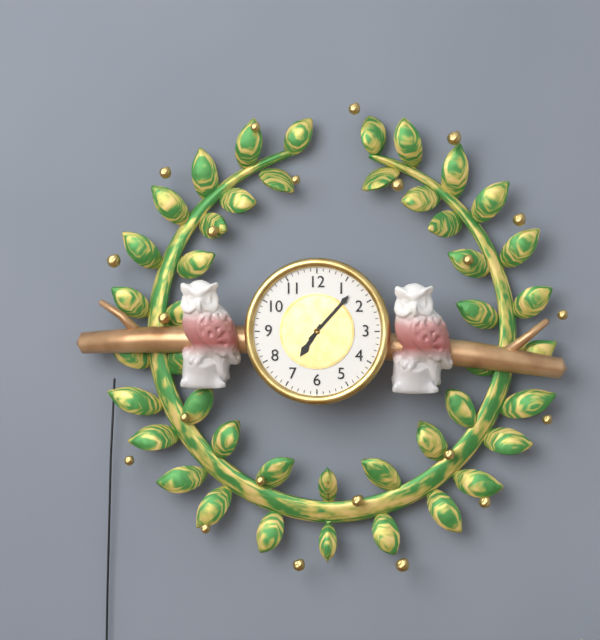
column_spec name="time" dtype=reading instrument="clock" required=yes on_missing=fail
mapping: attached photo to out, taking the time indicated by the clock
7:07
